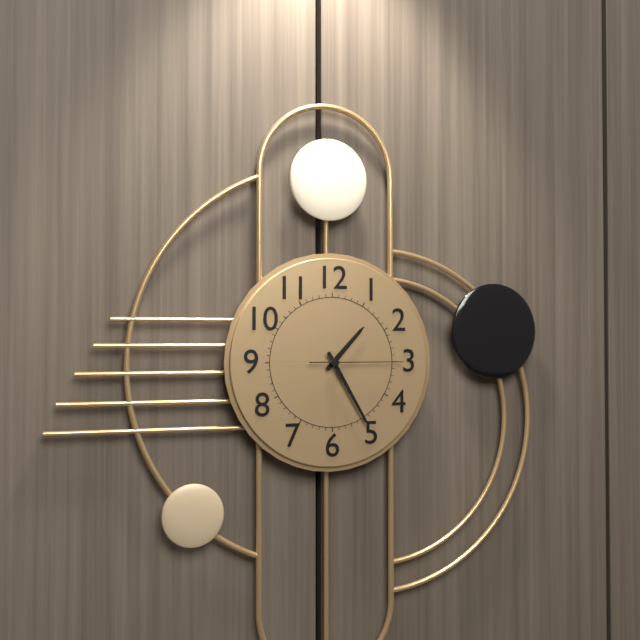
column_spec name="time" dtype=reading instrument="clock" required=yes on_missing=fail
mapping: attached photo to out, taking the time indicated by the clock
1:25:15
